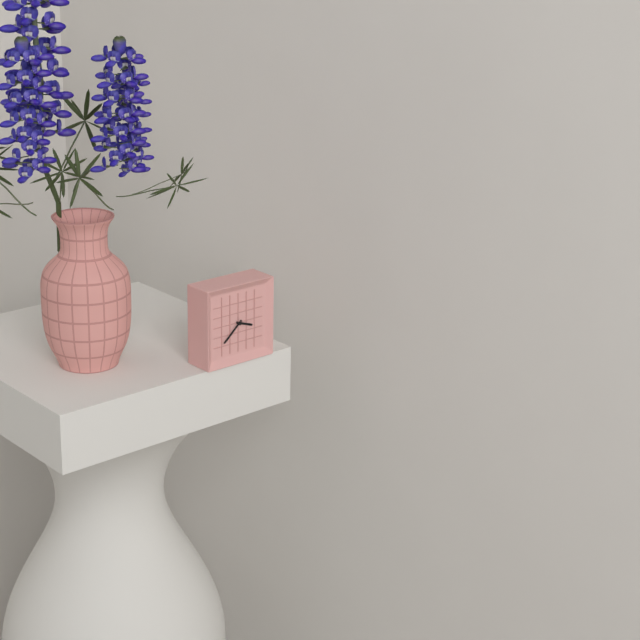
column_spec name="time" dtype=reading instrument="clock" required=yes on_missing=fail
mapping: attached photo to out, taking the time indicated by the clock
3:38
